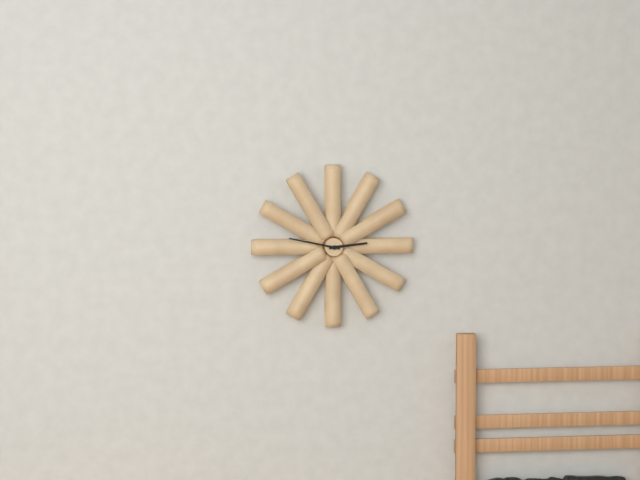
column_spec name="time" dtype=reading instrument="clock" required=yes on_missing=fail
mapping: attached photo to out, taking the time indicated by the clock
2:47
